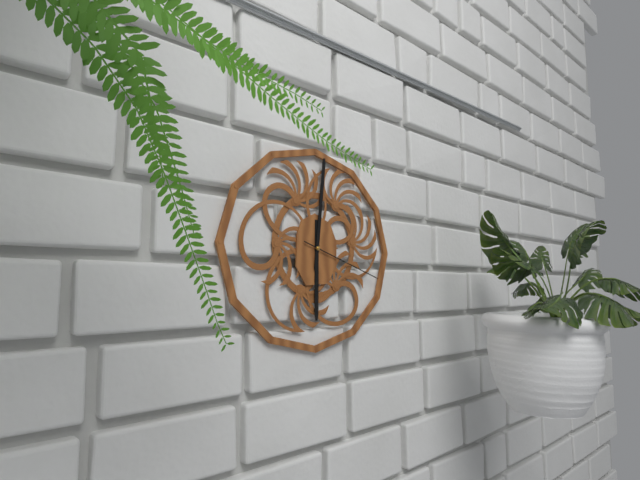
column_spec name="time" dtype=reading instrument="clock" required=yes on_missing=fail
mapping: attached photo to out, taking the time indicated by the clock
6:01:18
